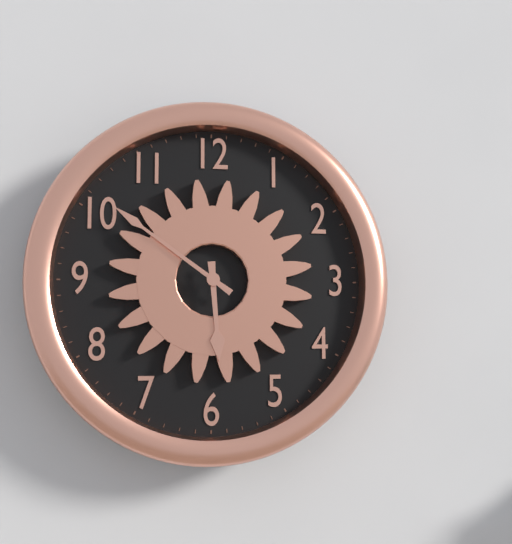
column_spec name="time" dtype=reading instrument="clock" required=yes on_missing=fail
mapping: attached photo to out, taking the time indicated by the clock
5:51
